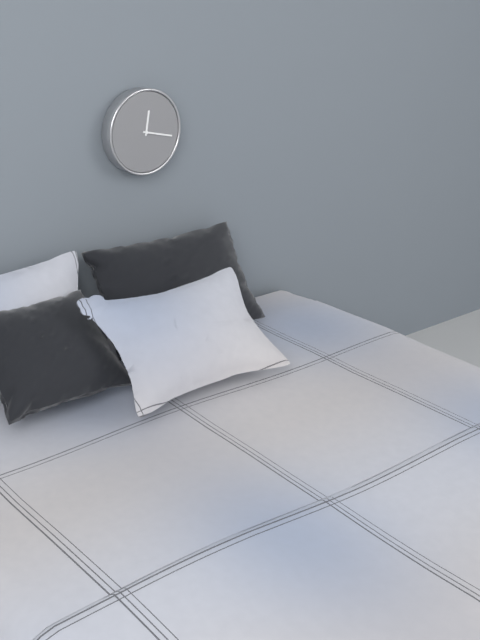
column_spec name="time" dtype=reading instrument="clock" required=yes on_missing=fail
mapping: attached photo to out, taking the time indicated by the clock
12:17
